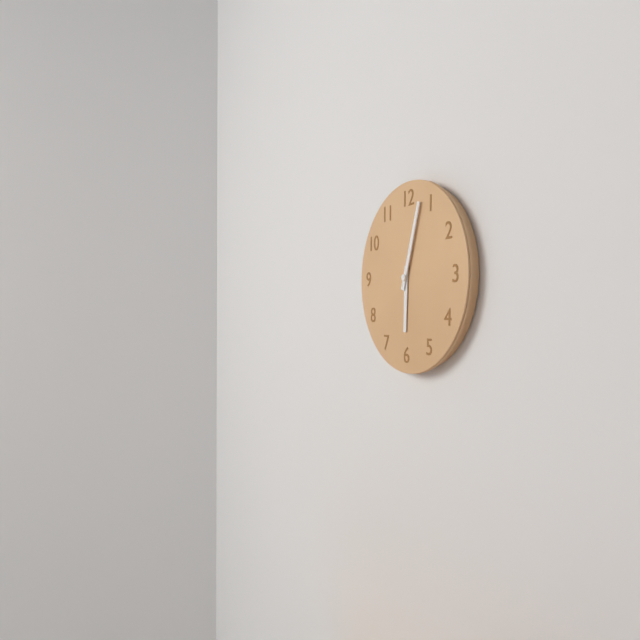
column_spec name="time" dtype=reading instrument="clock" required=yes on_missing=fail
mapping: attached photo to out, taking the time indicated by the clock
6:03
